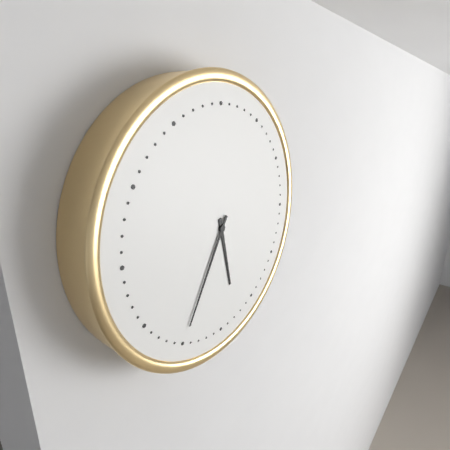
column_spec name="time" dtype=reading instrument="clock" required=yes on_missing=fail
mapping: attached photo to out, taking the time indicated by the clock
5:35
